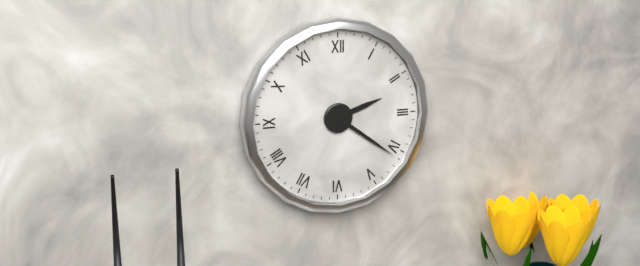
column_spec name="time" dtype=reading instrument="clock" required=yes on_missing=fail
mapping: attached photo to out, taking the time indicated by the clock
2:21
